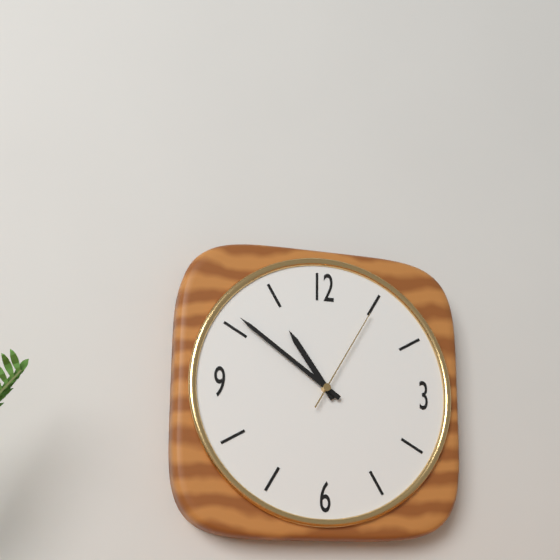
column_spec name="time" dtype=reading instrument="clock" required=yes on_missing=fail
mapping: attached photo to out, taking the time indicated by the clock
10:51:05
